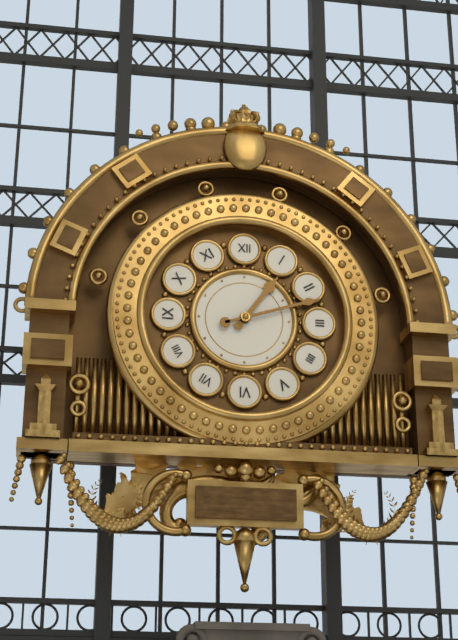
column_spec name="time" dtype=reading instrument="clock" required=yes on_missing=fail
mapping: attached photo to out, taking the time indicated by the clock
1:12
